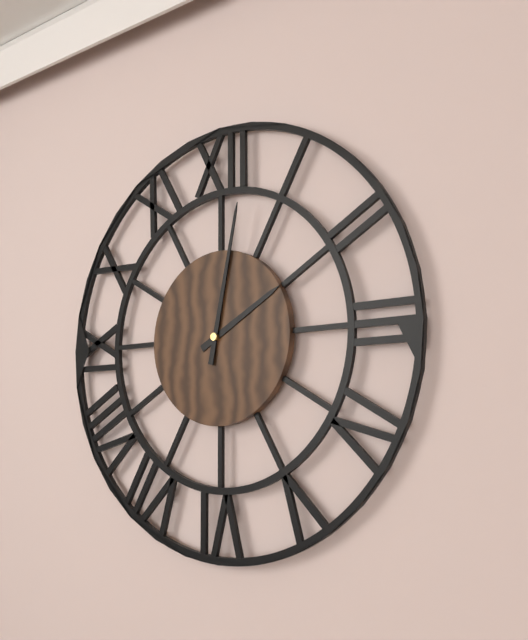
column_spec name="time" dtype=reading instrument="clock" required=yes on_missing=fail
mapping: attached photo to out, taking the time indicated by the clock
2:02
